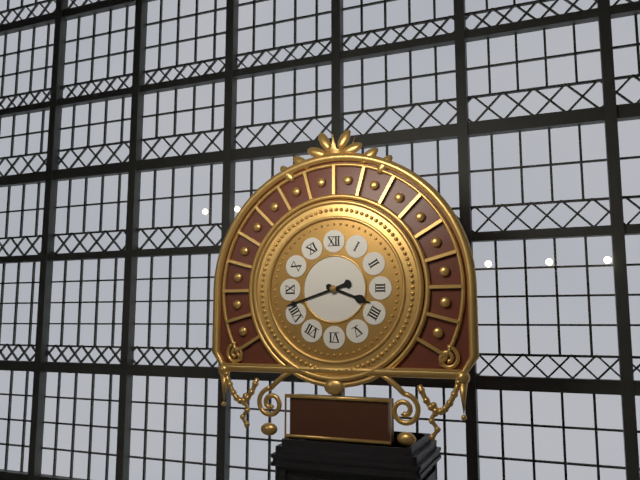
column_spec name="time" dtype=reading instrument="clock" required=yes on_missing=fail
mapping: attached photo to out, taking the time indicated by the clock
3:42
